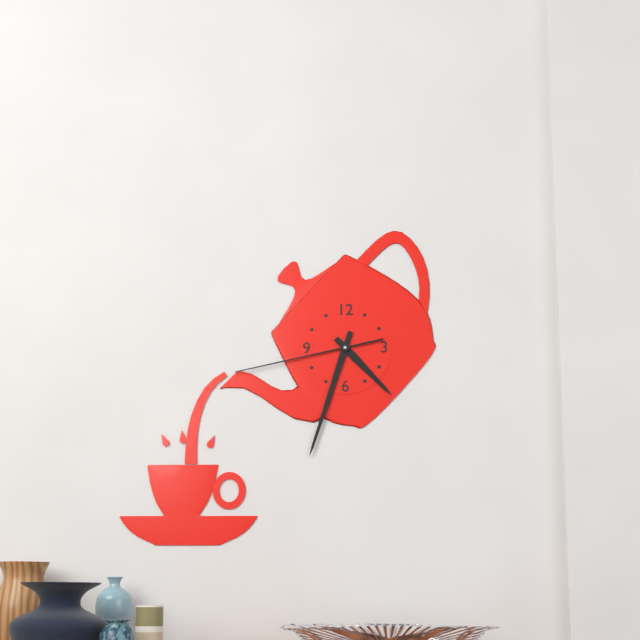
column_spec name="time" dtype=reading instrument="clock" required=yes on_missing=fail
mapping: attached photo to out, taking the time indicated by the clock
4:33:43
